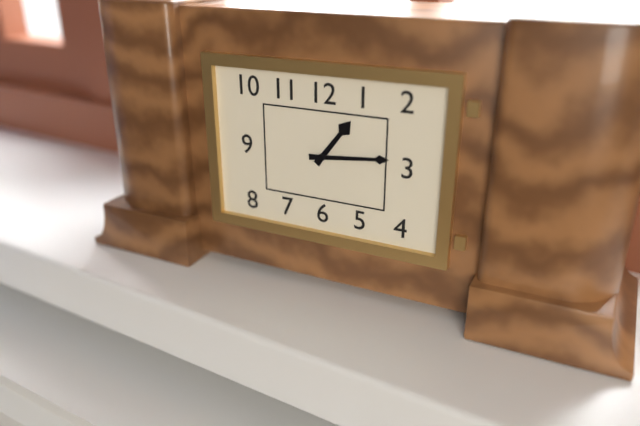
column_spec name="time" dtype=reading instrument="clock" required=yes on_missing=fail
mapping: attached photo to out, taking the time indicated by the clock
1:14
